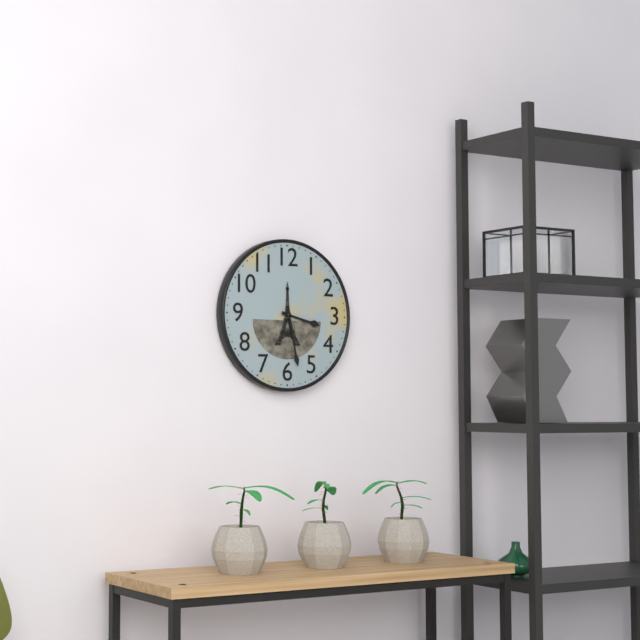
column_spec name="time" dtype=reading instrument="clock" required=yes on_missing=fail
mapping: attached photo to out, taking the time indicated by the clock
3:28
